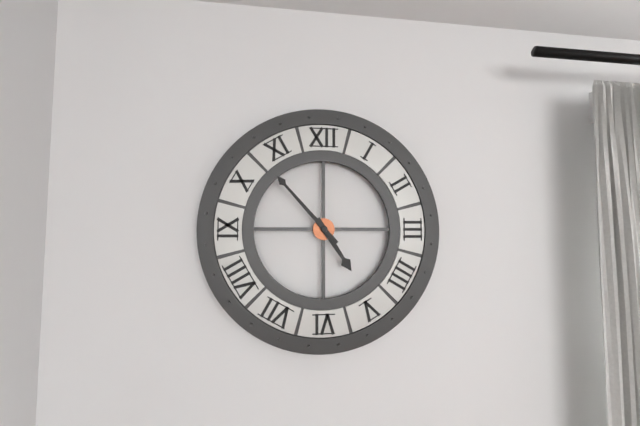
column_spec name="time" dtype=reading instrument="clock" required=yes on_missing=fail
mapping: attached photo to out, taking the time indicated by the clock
4:53
